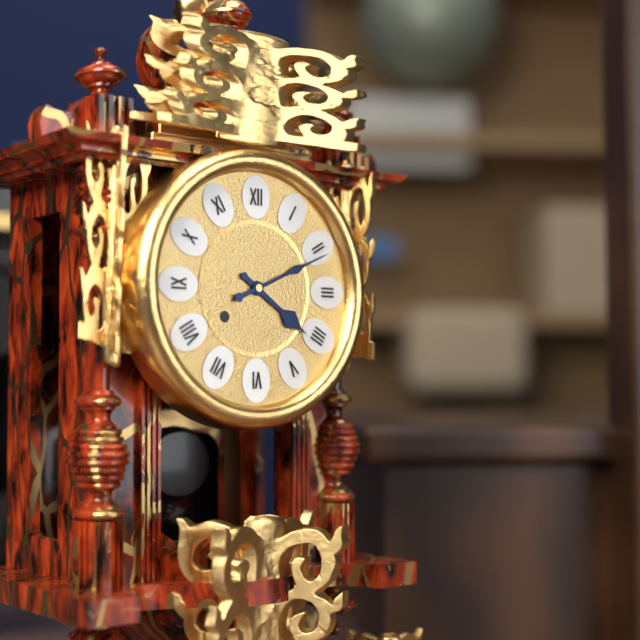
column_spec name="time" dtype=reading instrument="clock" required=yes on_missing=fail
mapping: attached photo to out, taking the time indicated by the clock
4:11
